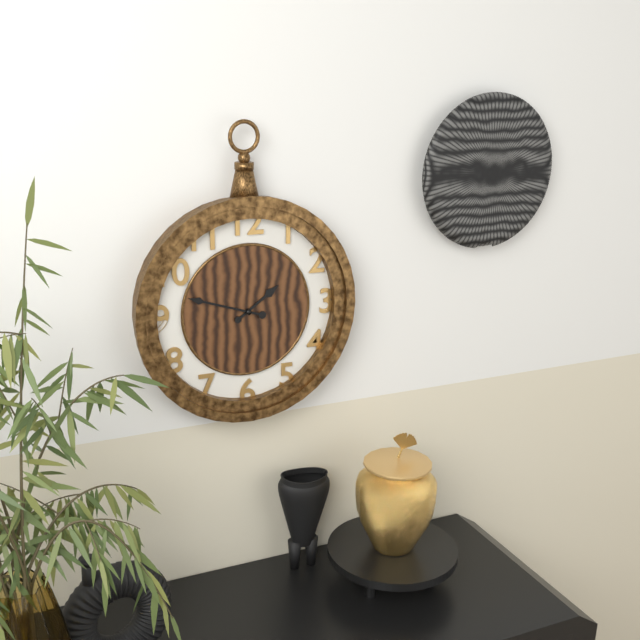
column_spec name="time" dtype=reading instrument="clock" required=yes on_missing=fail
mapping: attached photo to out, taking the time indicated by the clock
1:48
